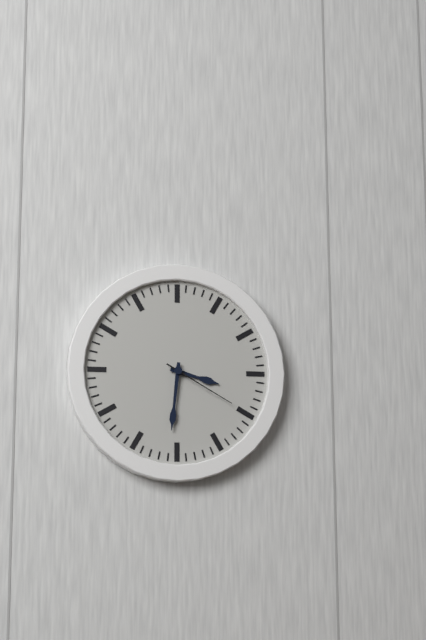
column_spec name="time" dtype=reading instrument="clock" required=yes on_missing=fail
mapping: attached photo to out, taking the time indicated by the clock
3:31:20
